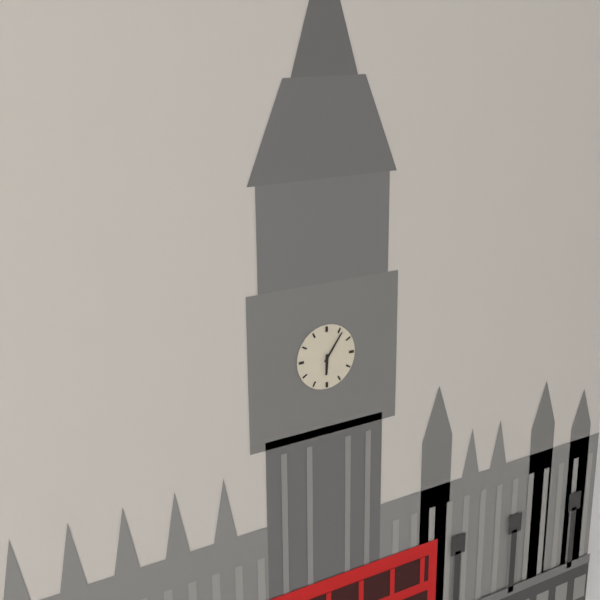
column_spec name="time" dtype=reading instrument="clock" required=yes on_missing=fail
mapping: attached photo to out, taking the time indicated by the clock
6:06
